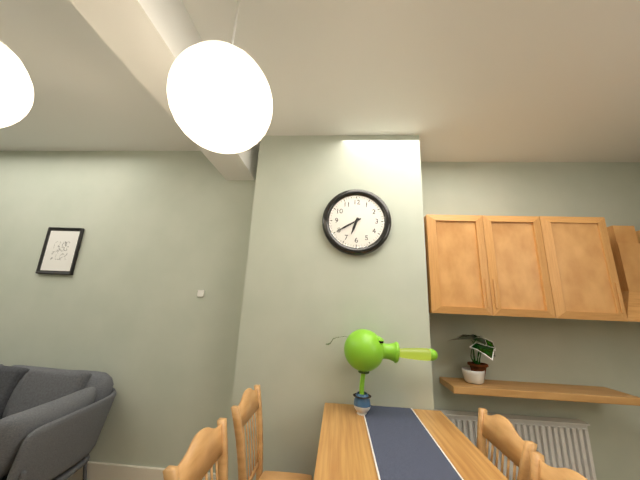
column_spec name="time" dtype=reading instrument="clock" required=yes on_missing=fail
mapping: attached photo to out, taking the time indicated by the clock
6:40
